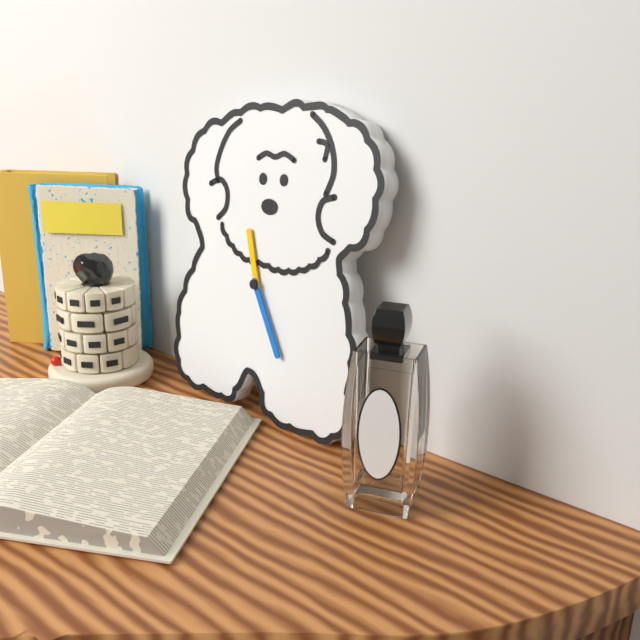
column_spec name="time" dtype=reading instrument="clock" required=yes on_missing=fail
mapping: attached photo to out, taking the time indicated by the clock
11:25
